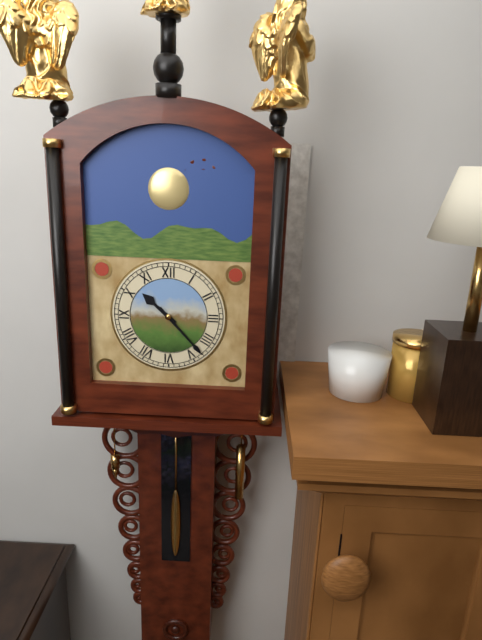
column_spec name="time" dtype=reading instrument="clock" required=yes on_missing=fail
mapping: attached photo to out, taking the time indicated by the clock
10:23
